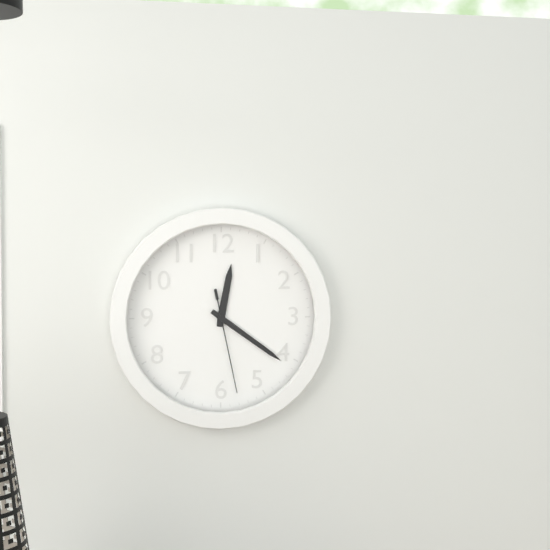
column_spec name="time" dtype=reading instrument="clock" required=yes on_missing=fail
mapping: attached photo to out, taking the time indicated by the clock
12:21:28
